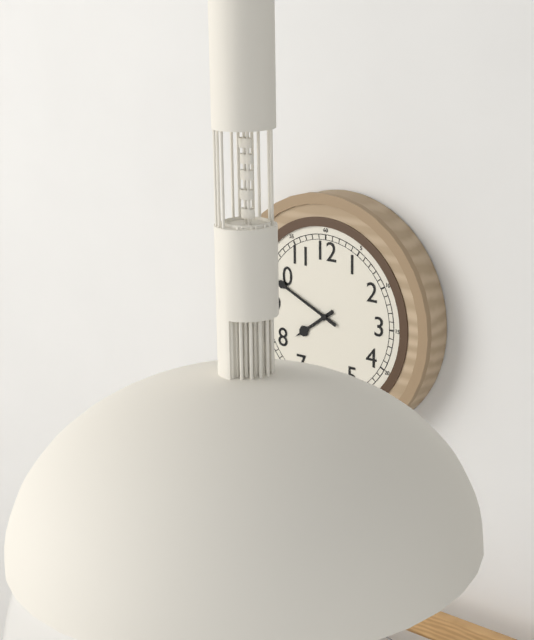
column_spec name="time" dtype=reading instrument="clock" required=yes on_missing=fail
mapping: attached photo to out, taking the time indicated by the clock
7:49
